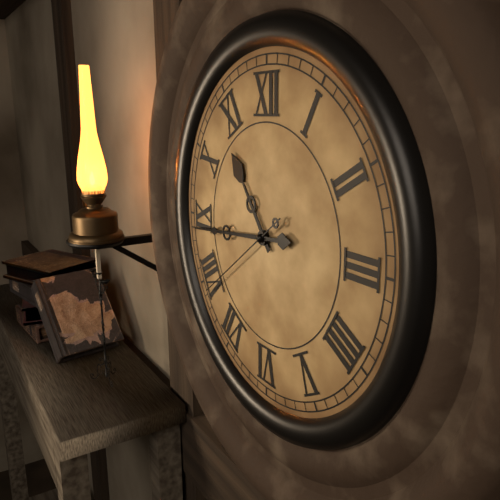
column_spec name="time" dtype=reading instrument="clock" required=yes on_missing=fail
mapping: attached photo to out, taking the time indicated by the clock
10:44:39
